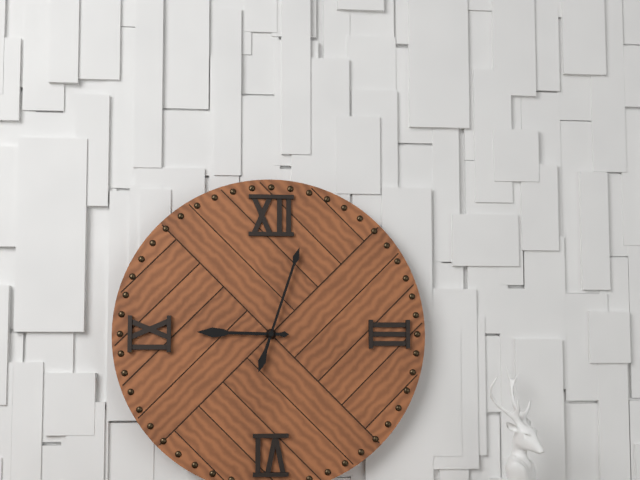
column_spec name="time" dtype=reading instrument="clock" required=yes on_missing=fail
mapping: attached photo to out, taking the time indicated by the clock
9:03
